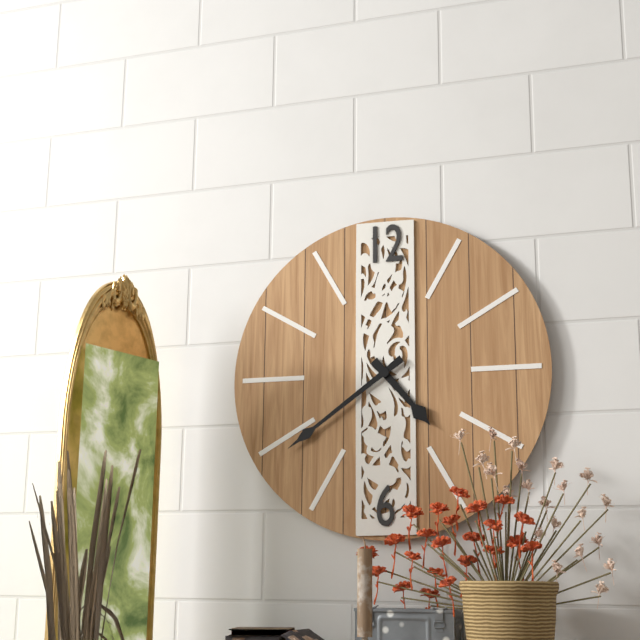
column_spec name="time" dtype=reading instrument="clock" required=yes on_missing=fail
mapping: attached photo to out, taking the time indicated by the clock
4:39
